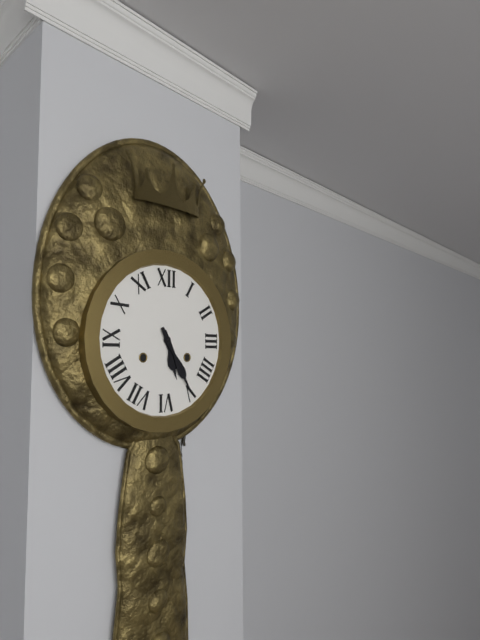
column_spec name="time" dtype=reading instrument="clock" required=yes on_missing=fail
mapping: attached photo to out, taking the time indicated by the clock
5:25
